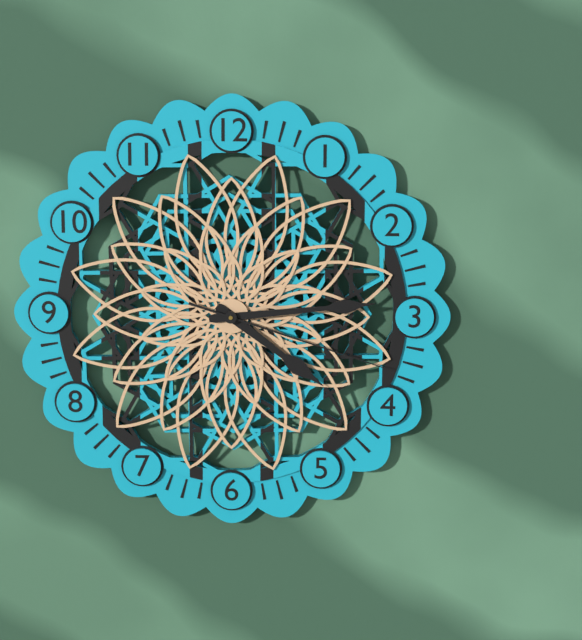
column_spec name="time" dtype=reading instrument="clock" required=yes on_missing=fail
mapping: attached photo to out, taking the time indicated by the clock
4:14:18
